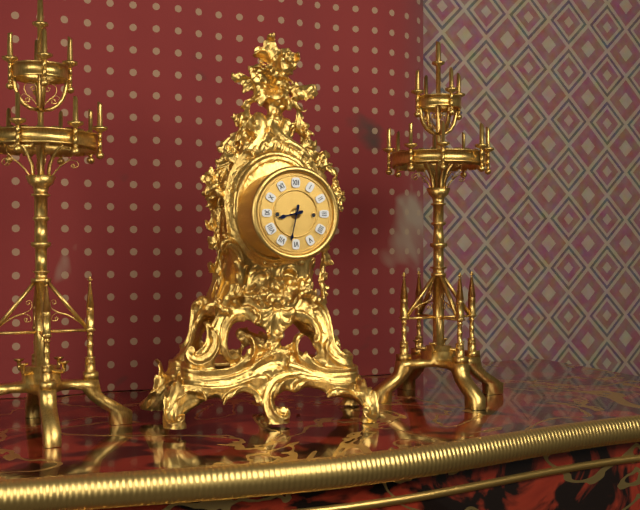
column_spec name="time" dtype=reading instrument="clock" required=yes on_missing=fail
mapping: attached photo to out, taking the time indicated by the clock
8:32
